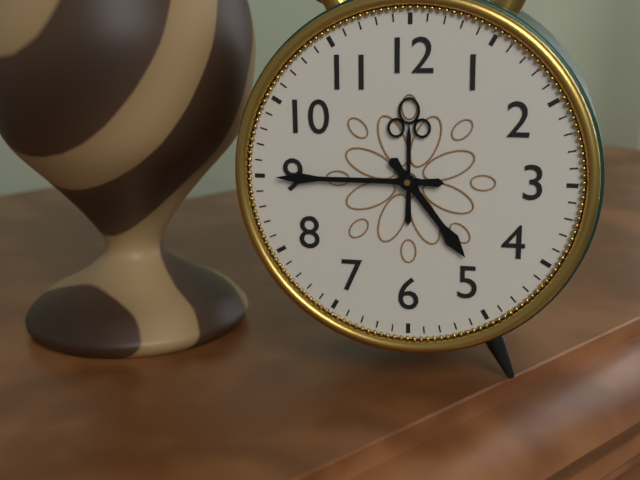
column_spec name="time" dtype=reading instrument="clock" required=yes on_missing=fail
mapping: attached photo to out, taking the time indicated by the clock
4:45
